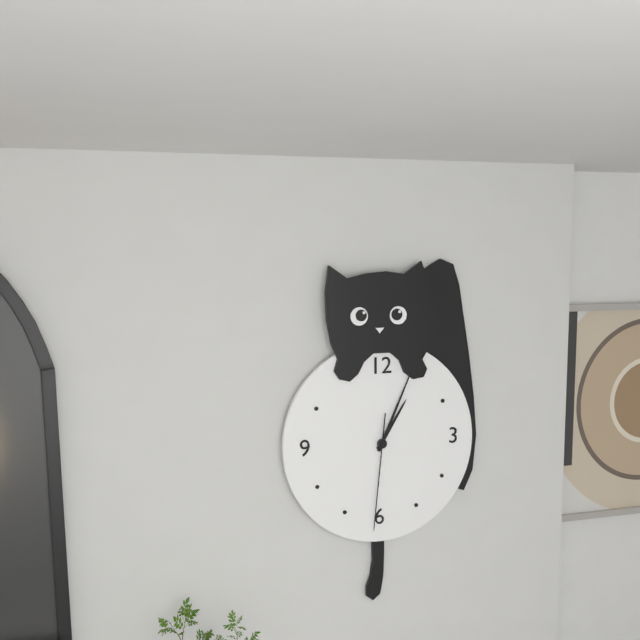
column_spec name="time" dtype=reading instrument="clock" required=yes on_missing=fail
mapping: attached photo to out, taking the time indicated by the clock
1:04:31
